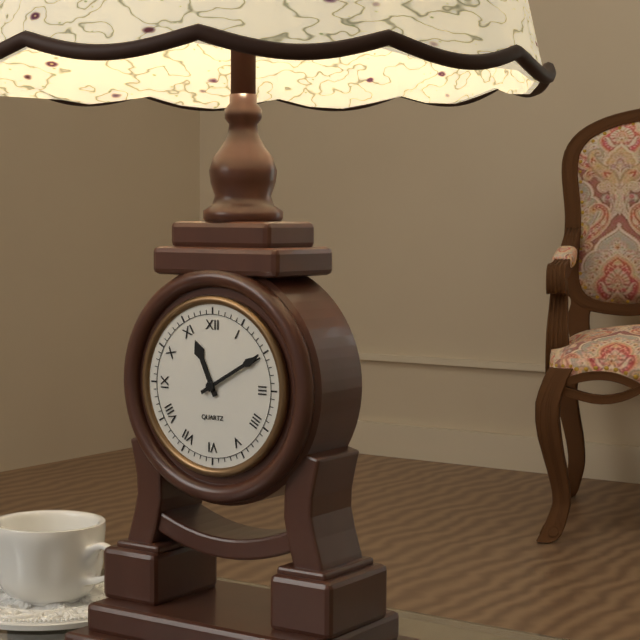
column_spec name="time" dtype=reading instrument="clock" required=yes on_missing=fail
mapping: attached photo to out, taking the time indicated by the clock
11:10
